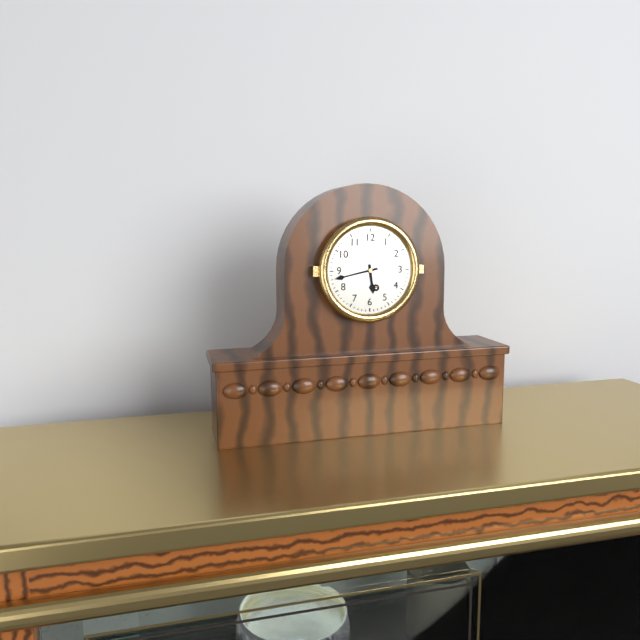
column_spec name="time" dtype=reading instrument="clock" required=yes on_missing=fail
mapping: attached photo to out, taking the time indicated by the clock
5:43
